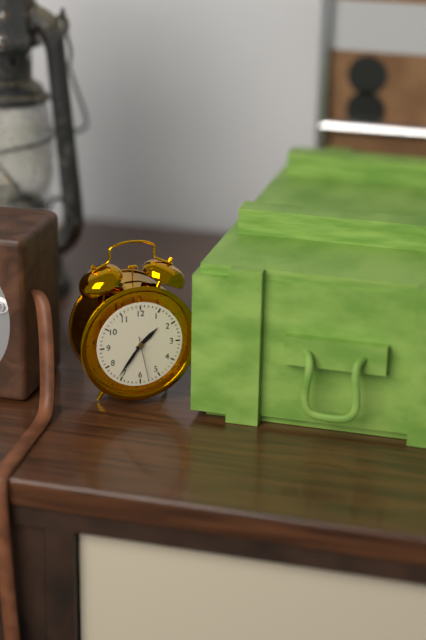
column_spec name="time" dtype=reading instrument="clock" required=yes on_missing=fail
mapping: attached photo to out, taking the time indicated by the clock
1:36
